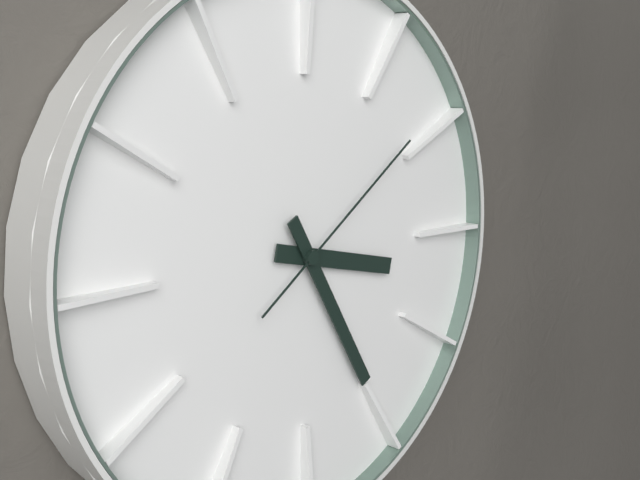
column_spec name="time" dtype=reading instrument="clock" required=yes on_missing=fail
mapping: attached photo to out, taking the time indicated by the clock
3:25:09
